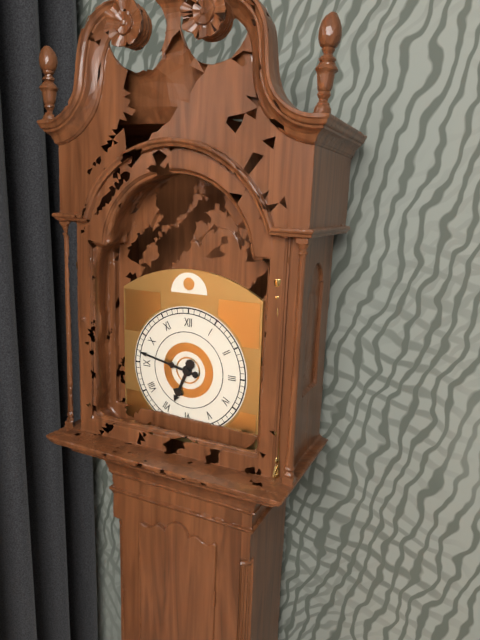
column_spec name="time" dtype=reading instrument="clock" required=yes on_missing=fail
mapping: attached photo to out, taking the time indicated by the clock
6:47
